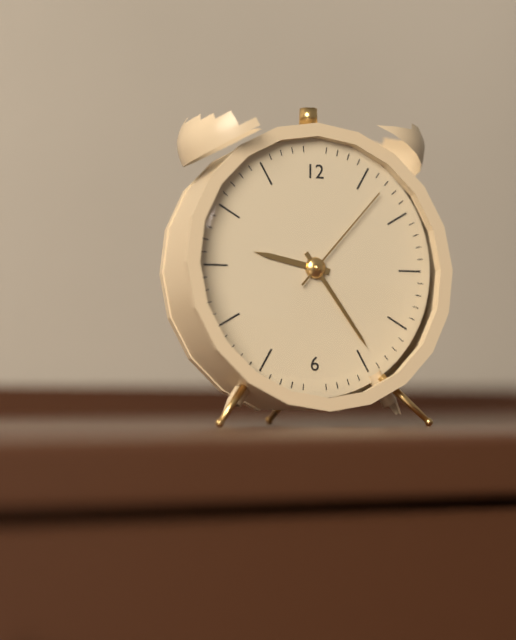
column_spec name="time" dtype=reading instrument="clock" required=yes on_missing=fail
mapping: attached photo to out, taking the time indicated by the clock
9:24:07
